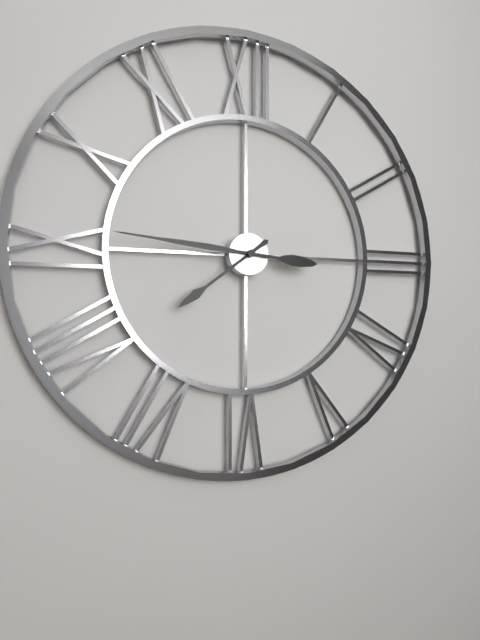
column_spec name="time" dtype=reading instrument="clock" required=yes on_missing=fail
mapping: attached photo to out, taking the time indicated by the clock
7:46
